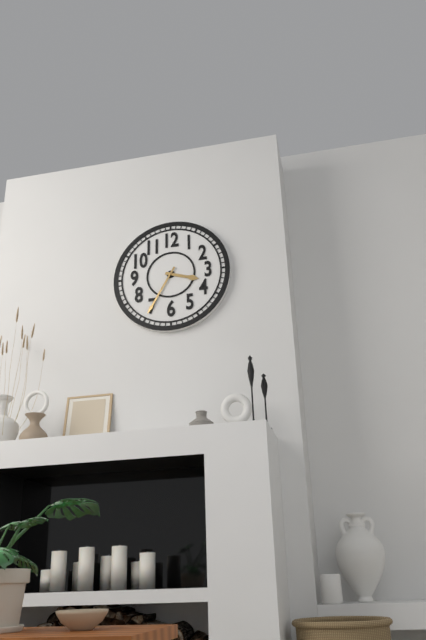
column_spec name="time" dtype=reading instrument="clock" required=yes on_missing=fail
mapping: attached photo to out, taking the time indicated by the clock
3:35
